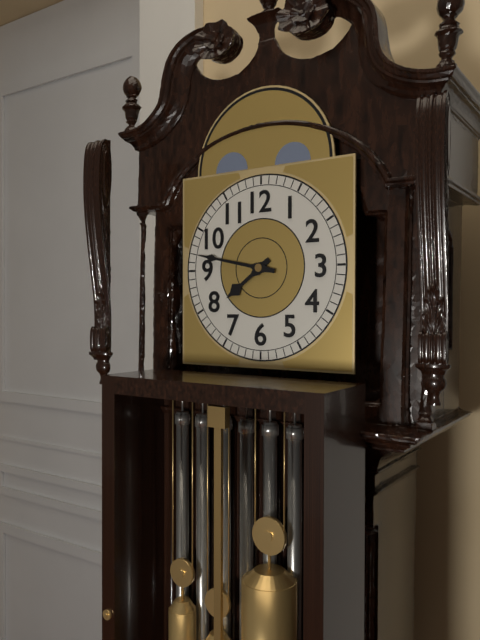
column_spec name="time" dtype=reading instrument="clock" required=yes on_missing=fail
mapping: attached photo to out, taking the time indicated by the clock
7:47
